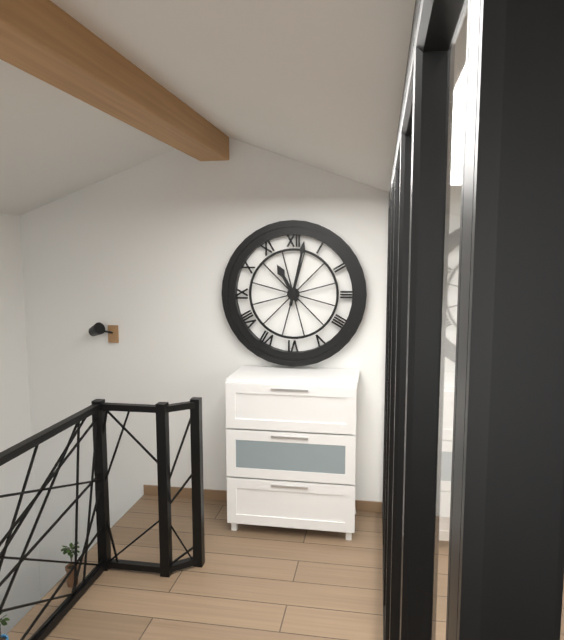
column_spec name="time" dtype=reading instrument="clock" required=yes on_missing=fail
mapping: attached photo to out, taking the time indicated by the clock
11:02
